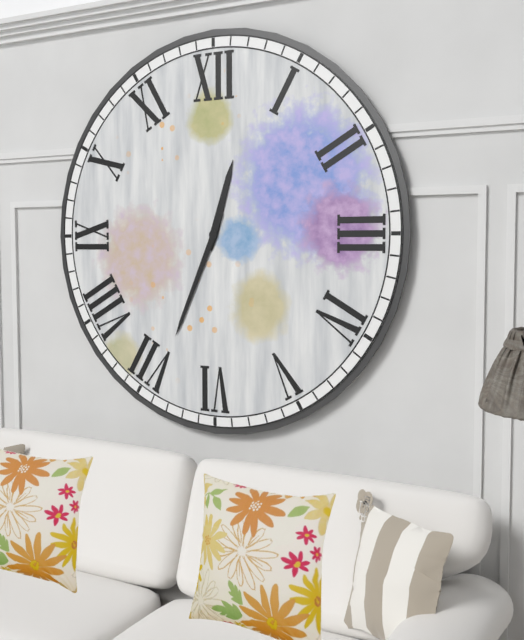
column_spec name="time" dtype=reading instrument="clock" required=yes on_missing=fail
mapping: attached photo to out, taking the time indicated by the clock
12:34
